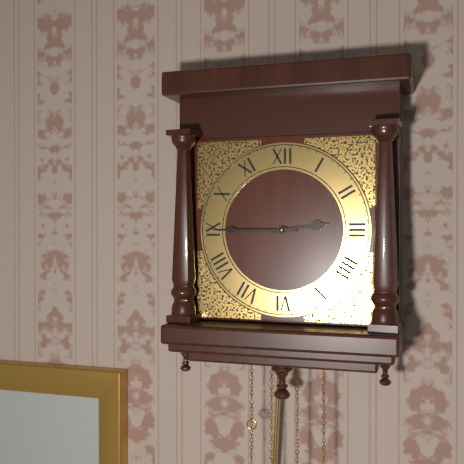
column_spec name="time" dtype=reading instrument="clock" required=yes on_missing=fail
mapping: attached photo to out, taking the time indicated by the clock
2:45
